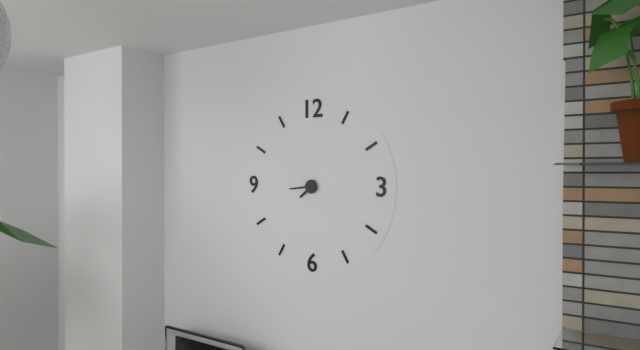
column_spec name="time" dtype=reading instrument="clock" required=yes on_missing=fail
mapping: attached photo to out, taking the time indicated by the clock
7:44
